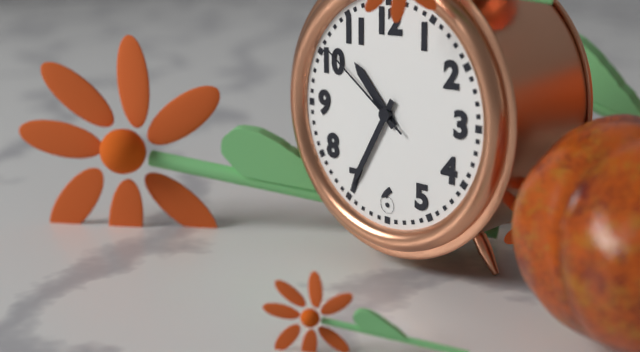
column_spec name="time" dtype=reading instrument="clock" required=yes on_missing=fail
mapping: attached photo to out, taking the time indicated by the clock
10:35:51
